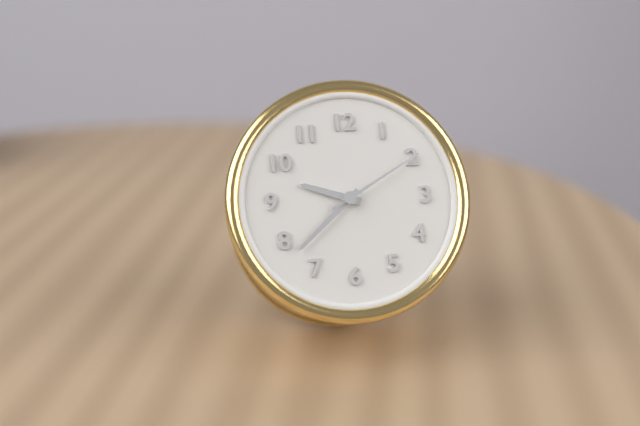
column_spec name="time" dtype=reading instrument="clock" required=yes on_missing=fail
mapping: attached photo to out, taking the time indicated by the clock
9:38:10
